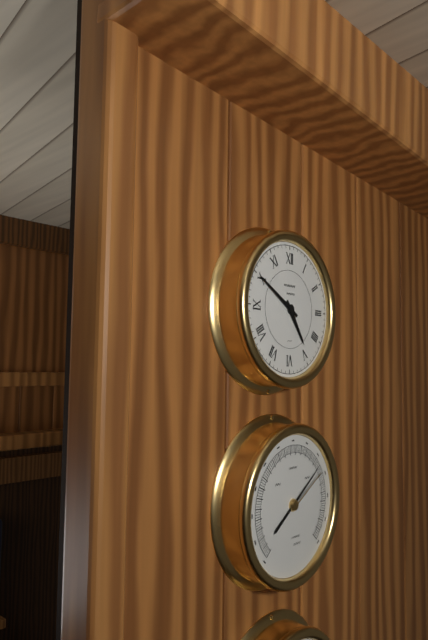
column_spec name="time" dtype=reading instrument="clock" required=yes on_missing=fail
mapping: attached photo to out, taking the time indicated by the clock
4:50
